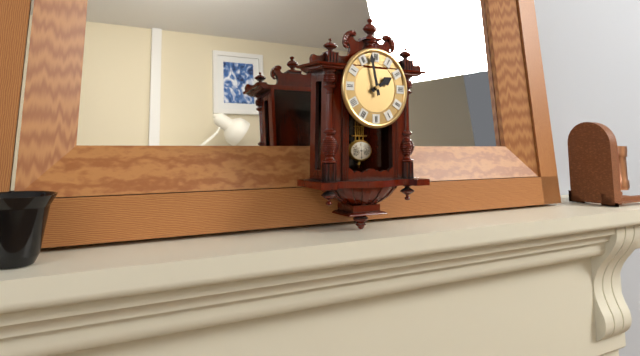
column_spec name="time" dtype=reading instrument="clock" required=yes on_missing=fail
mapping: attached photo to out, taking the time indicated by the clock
1:58
